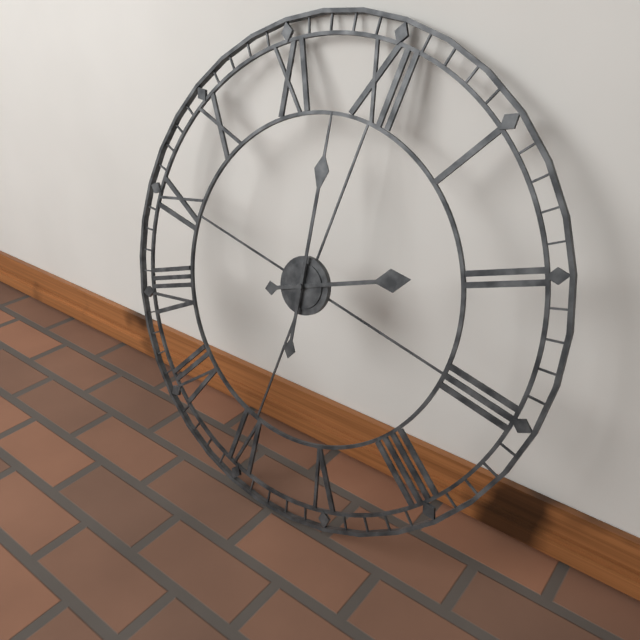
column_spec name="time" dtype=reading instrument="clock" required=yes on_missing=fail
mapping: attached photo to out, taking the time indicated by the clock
1:58
